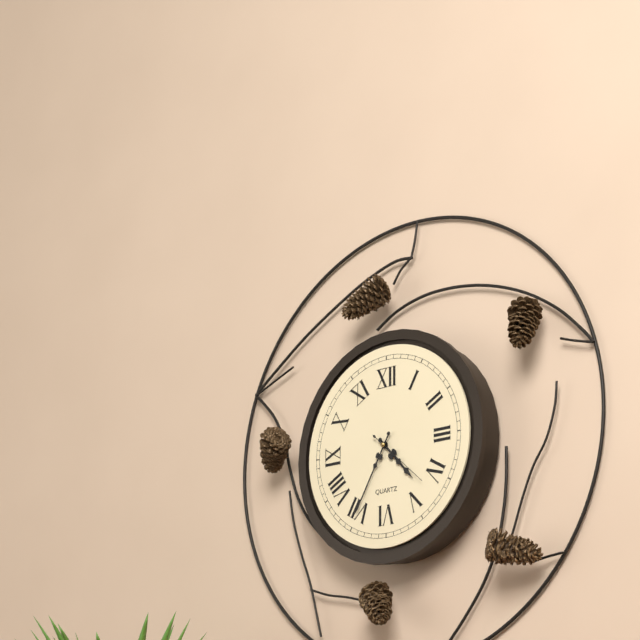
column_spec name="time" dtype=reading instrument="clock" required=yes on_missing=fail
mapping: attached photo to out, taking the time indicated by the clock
4:35:22
